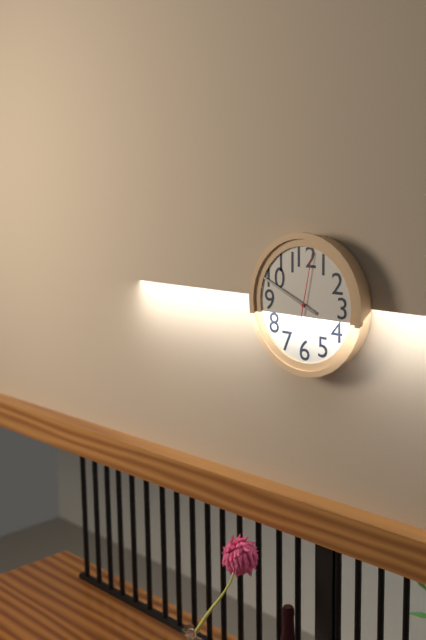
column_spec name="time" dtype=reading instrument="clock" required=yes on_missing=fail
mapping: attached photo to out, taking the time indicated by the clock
9:49:02
